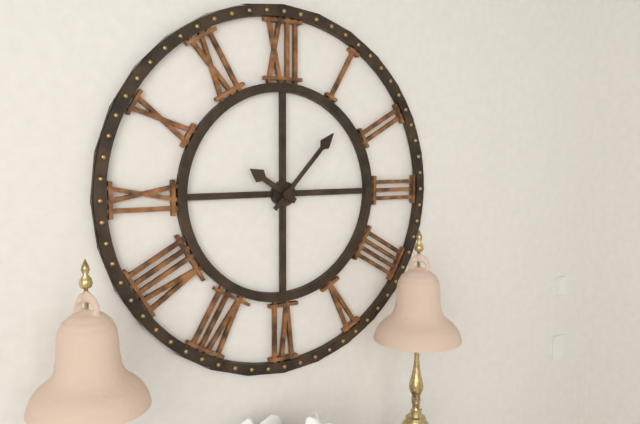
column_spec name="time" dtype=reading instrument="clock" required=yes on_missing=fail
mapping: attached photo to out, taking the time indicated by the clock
10:07
